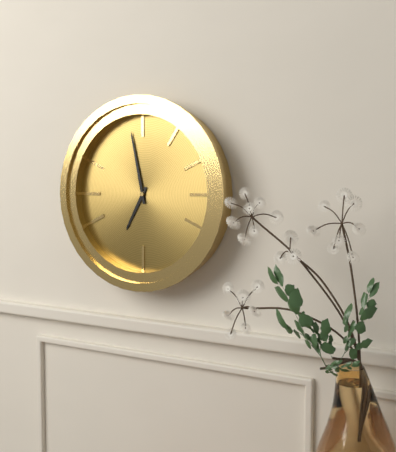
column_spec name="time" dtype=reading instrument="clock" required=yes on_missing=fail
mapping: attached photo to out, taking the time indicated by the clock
6:58
